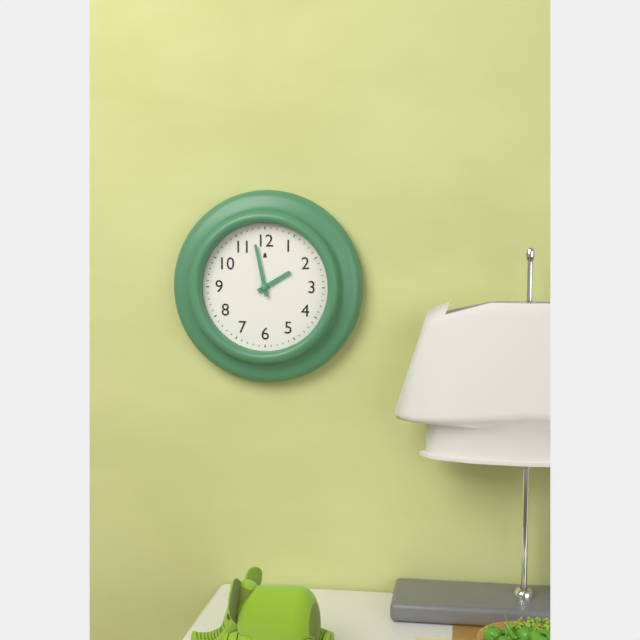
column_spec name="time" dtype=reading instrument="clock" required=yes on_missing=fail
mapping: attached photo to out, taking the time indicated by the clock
1:58
